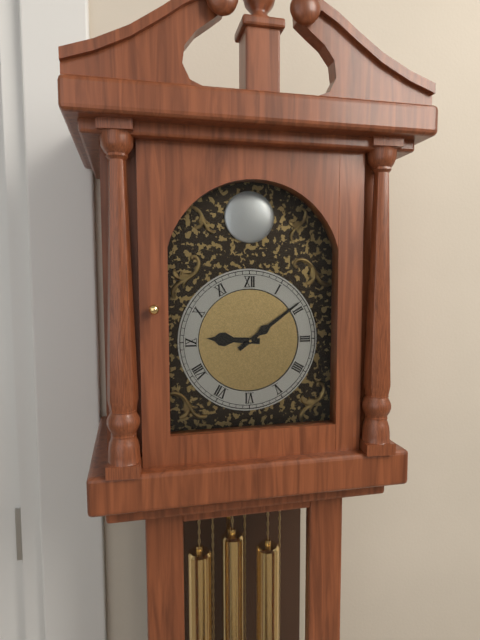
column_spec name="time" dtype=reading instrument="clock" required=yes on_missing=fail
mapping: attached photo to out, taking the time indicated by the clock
9:09
